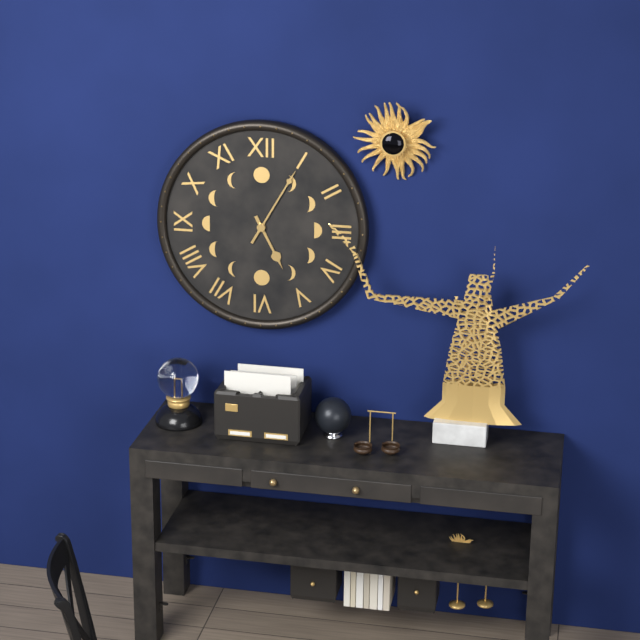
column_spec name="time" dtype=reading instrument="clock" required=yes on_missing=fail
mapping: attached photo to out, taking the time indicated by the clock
5:05
